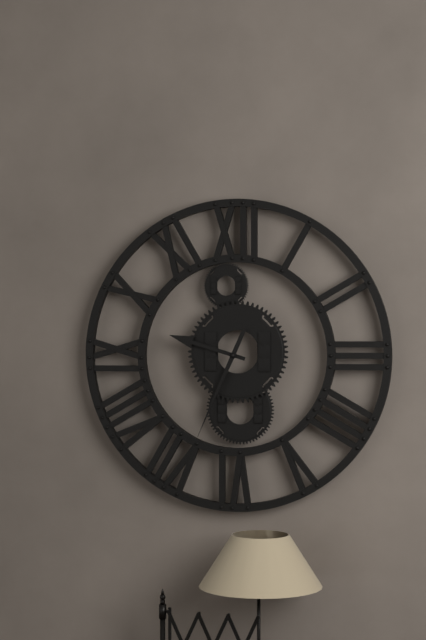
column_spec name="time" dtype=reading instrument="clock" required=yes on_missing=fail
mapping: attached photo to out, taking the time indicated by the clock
9:34
